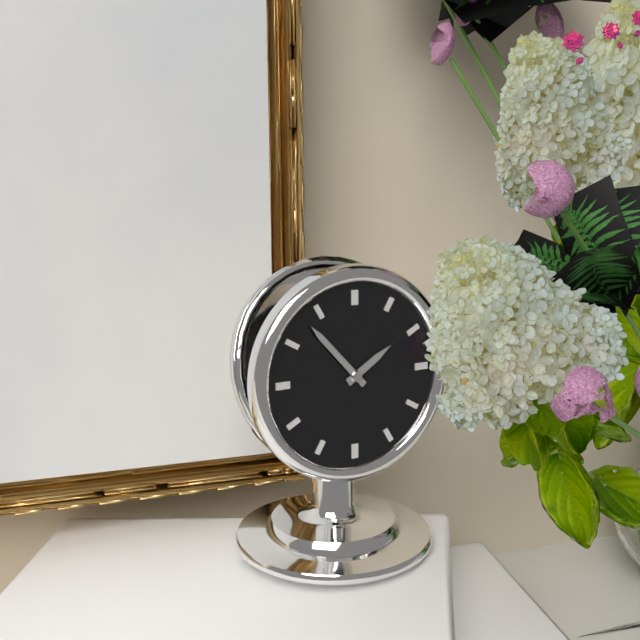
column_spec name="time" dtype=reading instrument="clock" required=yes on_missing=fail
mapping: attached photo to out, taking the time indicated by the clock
1:53
